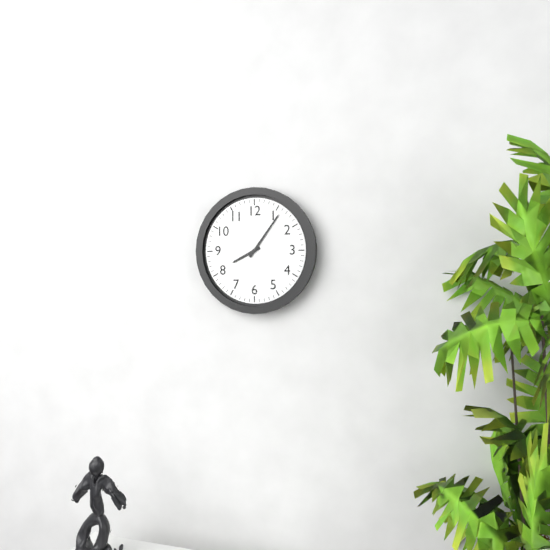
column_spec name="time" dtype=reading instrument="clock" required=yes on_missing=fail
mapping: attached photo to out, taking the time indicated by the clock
8:06
